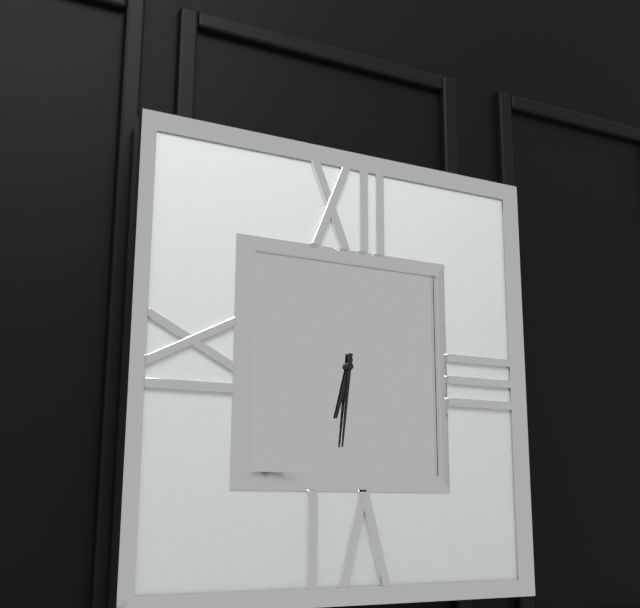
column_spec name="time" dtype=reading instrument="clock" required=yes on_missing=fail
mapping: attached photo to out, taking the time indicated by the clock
6:31
